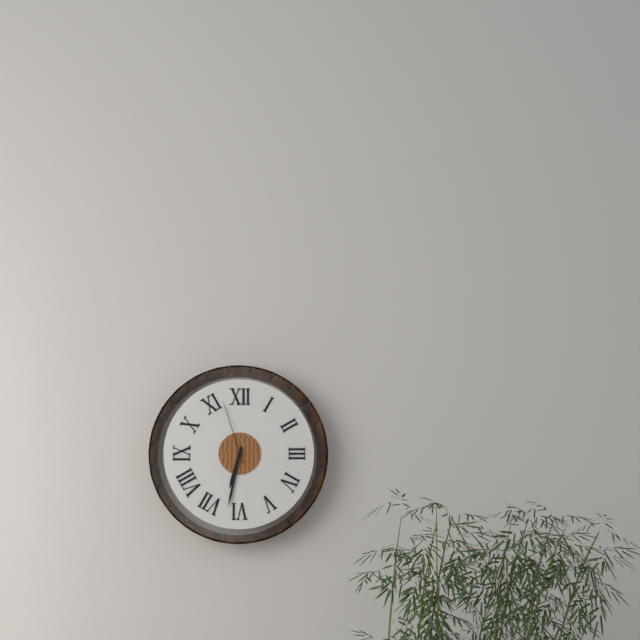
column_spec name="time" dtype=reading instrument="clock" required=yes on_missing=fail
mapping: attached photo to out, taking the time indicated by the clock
6:32:57
